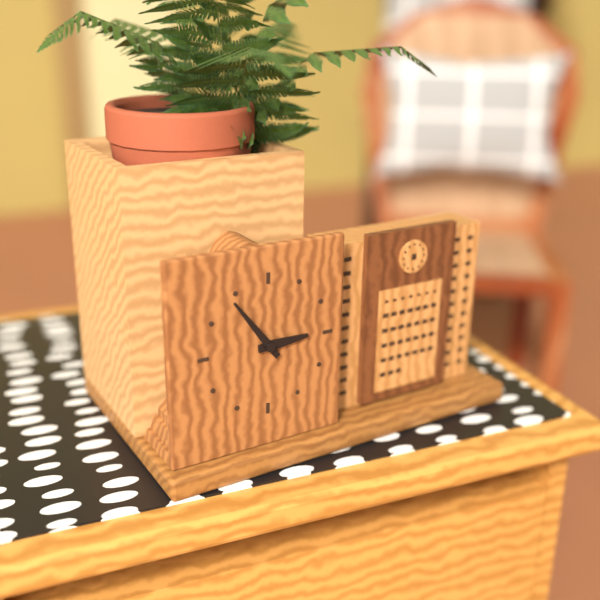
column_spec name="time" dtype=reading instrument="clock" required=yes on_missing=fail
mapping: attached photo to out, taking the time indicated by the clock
2:54
